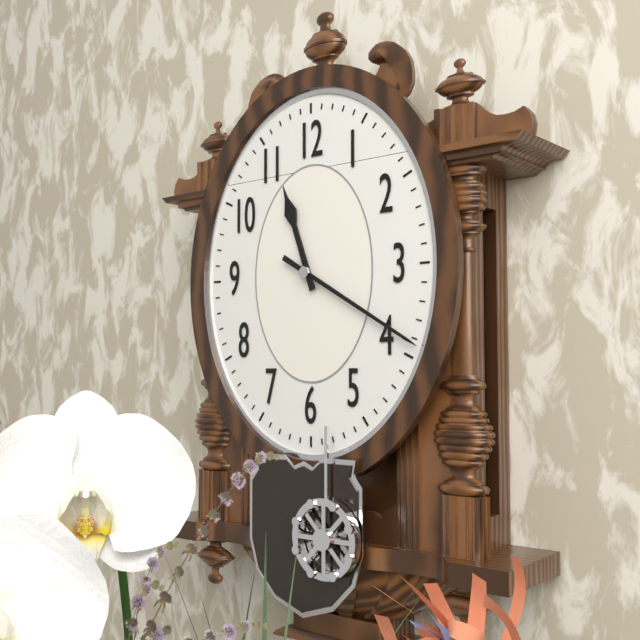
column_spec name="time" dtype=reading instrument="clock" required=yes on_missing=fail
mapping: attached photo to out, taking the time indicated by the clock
11:20
